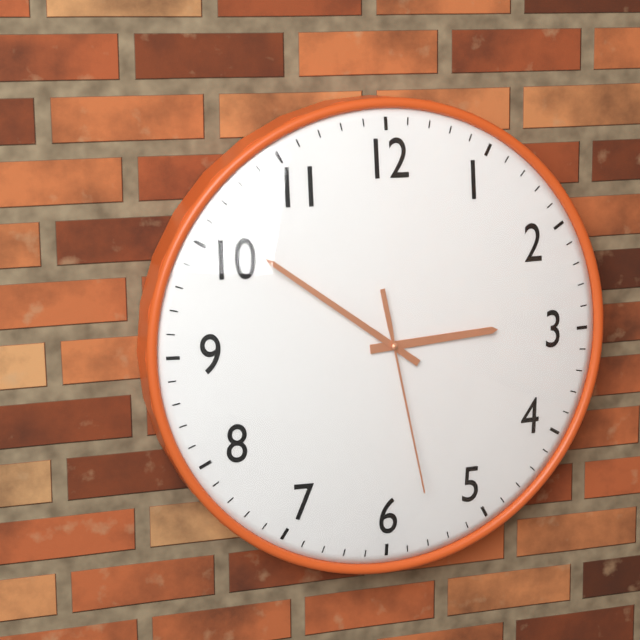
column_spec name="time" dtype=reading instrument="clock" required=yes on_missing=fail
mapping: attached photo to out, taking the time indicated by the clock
2:51:28
